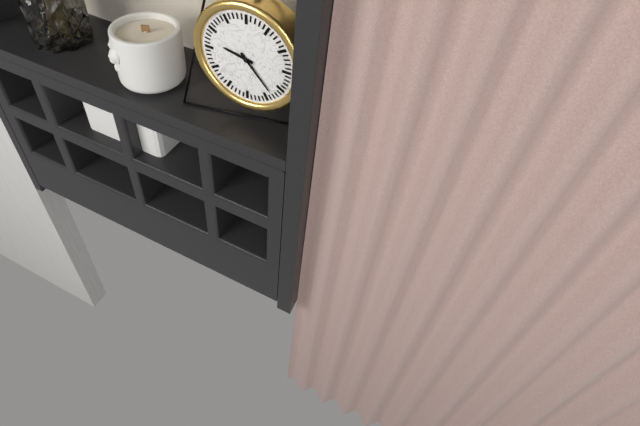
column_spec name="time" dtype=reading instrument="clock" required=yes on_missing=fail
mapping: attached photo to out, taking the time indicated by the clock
9:23
